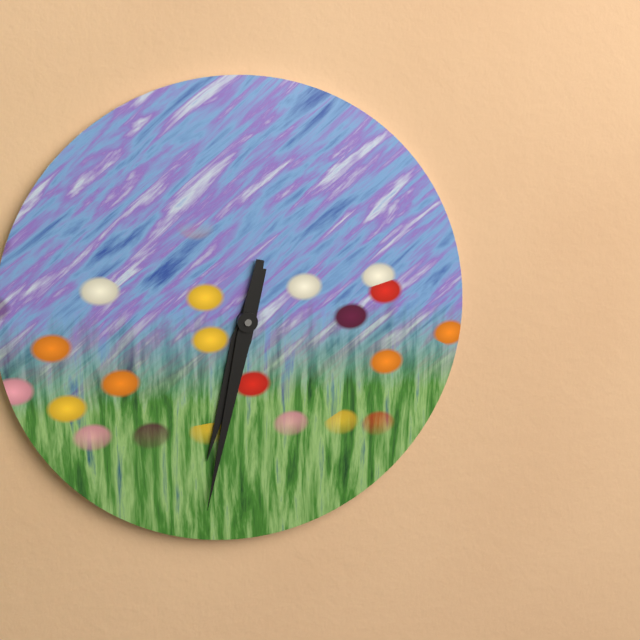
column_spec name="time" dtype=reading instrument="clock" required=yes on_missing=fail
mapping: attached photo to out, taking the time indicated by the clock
6:32
